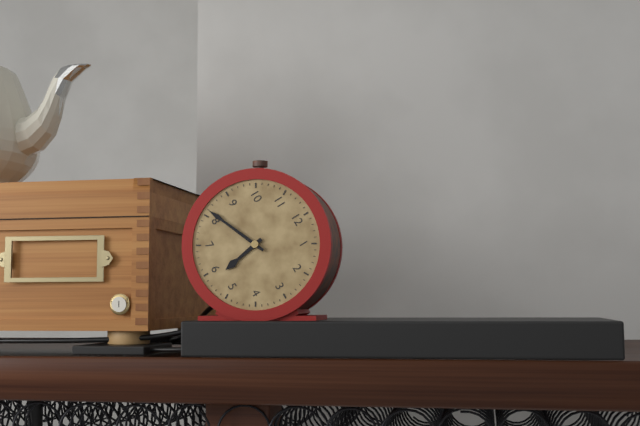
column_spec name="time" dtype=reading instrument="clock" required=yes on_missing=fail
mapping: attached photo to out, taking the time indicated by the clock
5:41
